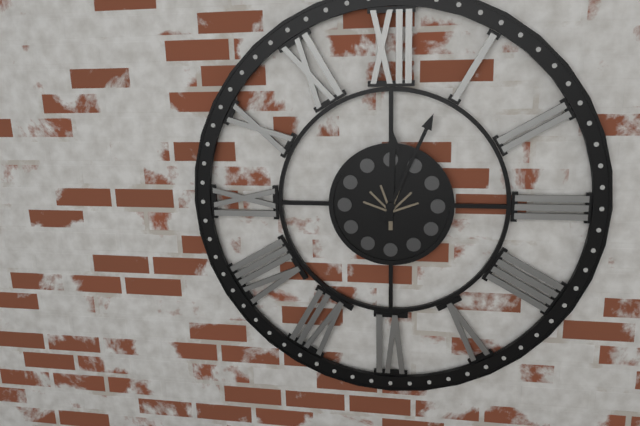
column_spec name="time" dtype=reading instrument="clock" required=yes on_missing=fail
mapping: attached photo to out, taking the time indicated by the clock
12:04
